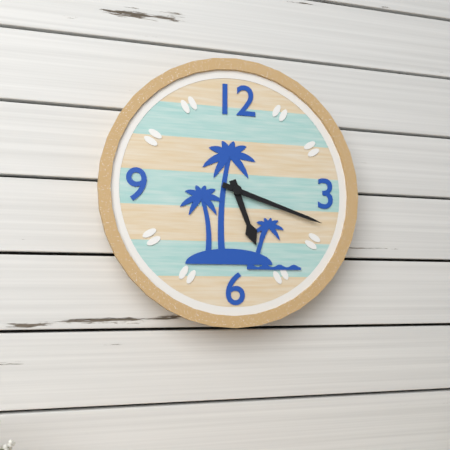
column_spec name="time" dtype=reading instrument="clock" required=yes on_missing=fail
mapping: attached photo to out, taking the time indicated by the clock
5:18
